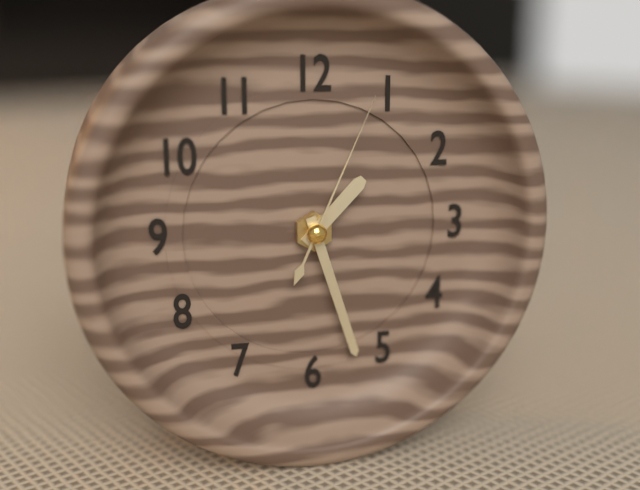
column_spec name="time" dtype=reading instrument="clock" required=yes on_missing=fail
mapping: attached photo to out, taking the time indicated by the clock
1:27:04
